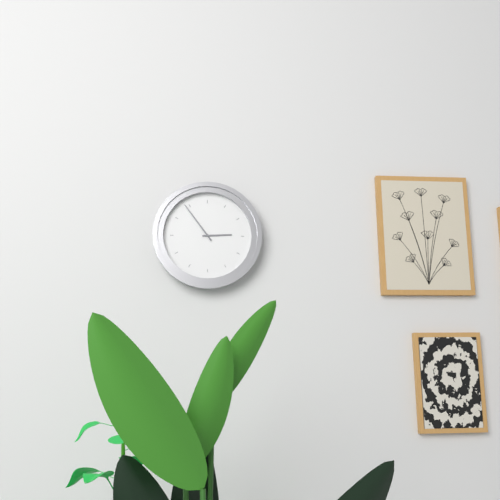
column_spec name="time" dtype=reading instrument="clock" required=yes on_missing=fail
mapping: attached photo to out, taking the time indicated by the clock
2:54
